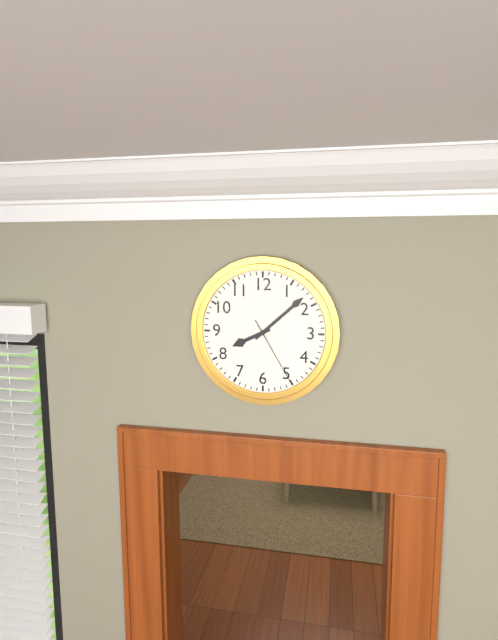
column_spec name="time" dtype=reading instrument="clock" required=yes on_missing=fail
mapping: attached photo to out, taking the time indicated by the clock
8:08:25
